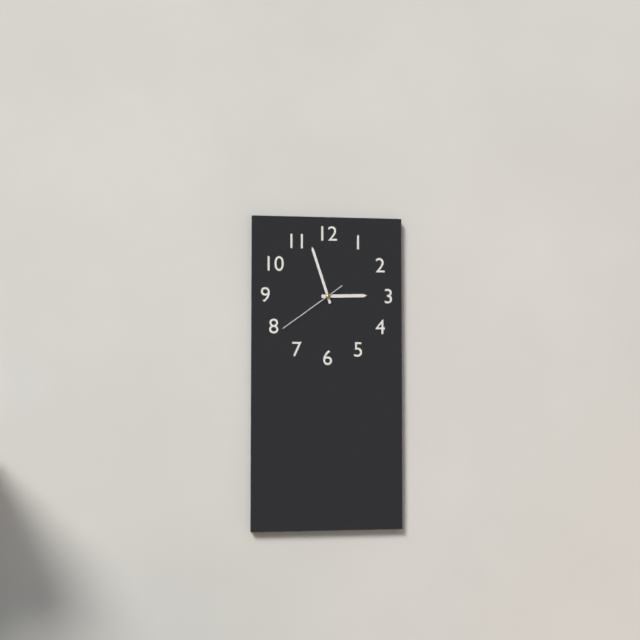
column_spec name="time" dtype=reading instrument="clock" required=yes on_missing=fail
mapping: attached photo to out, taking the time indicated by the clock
2:57:39
